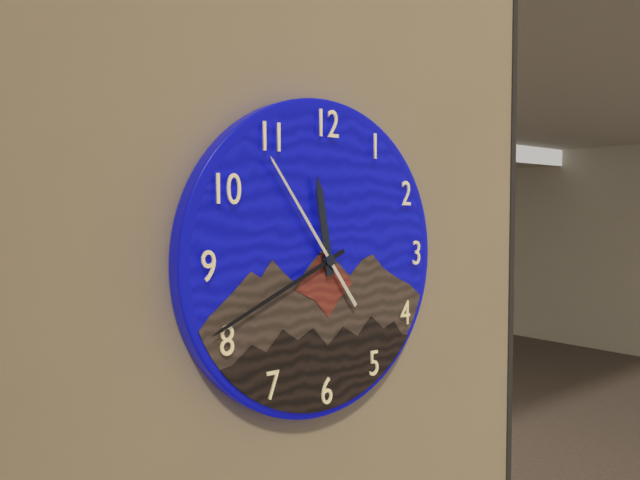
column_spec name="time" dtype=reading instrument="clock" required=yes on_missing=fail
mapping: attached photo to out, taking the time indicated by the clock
11:41:54
